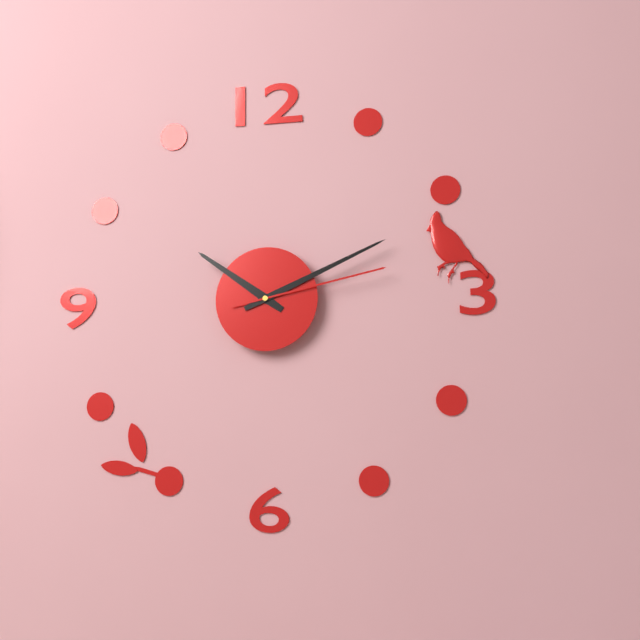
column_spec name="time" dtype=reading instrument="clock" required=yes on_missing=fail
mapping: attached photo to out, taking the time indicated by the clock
10:11:13
